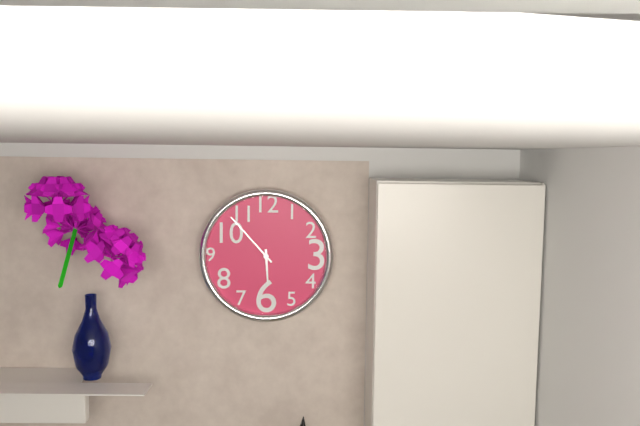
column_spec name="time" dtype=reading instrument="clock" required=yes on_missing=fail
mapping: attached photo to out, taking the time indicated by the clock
5:53
